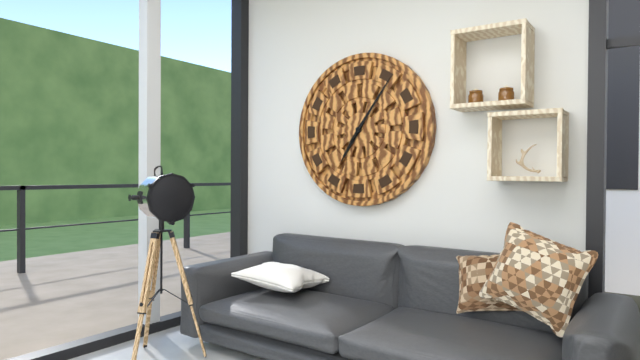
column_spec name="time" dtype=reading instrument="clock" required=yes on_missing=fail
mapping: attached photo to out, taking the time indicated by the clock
7:06
